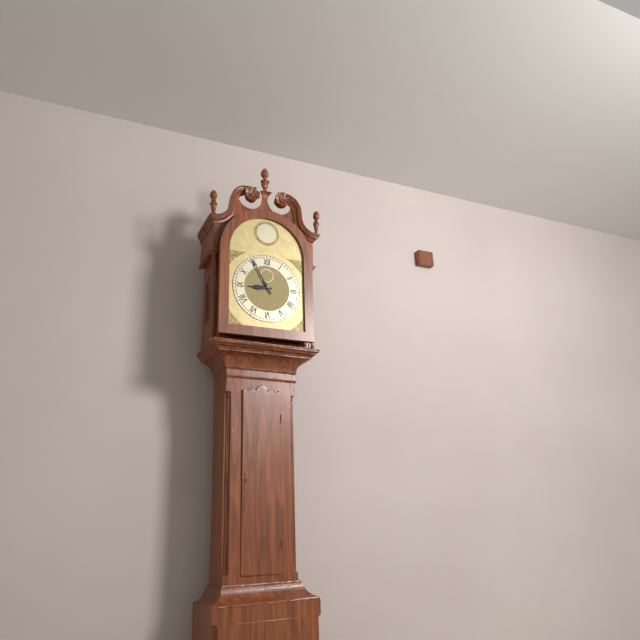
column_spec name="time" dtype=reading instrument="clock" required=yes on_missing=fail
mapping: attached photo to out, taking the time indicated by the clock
8:55
